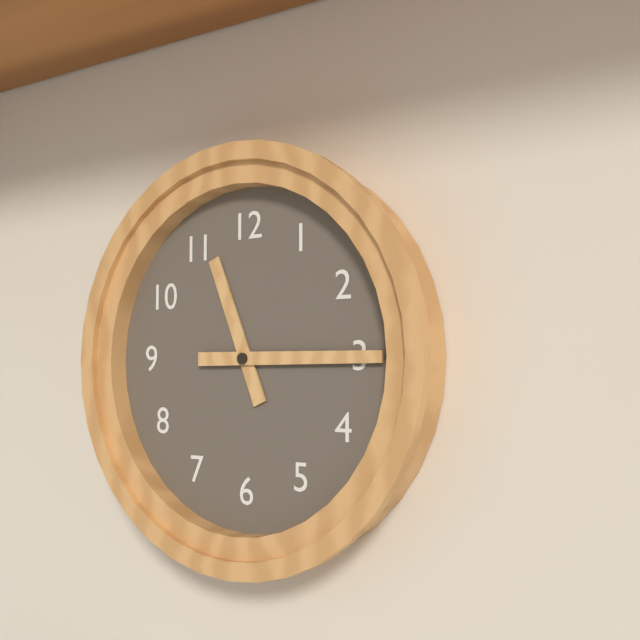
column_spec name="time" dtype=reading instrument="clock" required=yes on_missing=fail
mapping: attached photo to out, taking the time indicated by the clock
11:15
